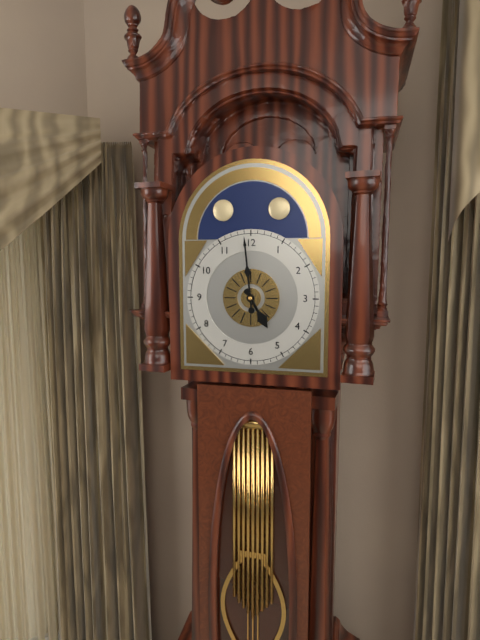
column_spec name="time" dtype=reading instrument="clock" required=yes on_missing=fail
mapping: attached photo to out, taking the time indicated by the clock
4:59
